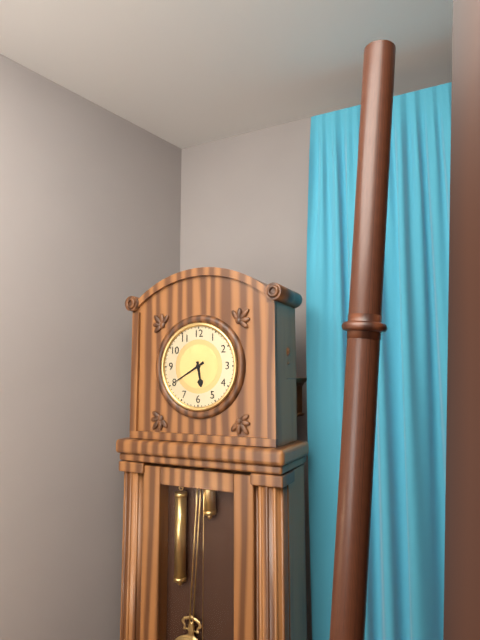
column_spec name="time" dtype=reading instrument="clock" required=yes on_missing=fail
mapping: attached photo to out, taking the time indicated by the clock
5:40
